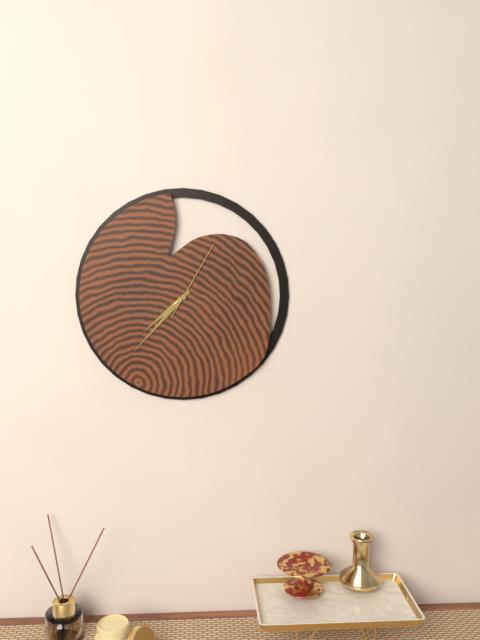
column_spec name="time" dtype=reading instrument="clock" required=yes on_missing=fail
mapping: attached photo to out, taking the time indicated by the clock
7:37:05
